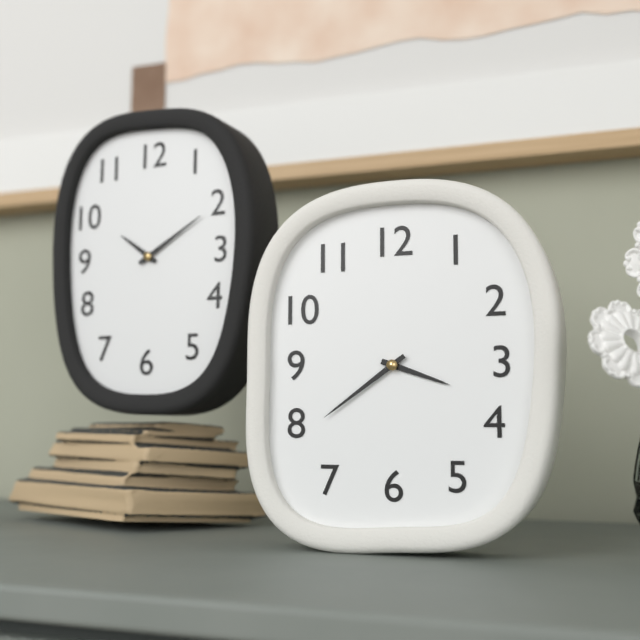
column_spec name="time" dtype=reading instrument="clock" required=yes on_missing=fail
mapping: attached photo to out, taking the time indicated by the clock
3:39
